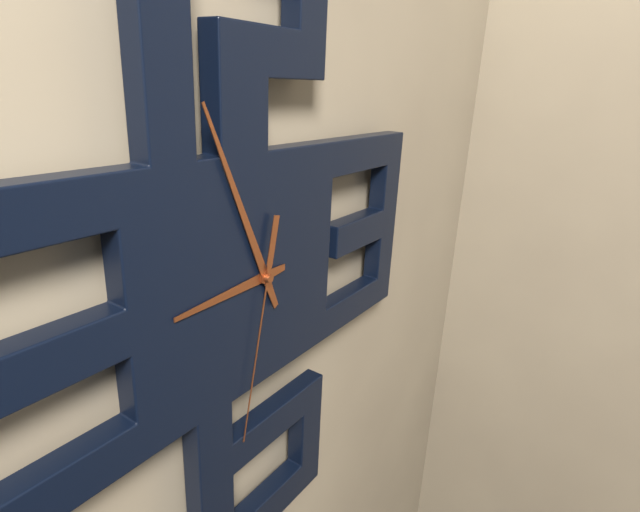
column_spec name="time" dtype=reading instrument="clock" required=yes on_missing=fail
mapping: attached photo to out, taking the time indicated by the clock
8:56:32
